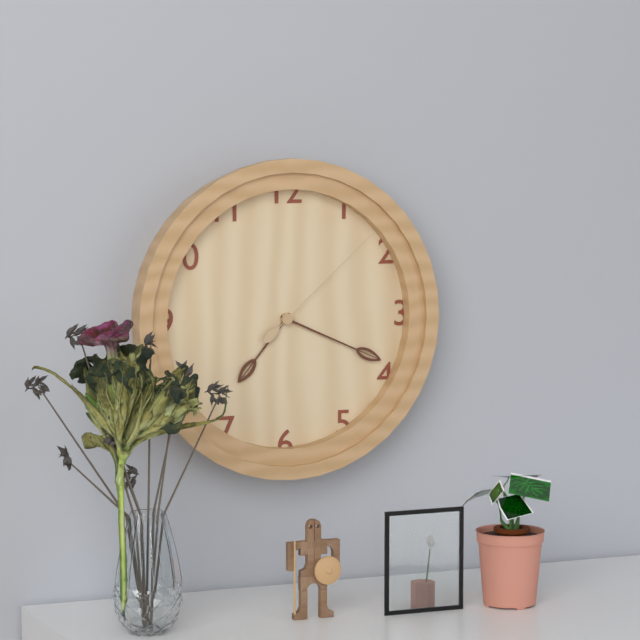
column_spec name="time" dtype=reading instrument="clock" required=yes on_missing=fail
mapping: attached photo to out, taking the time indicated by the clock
7:19:08
